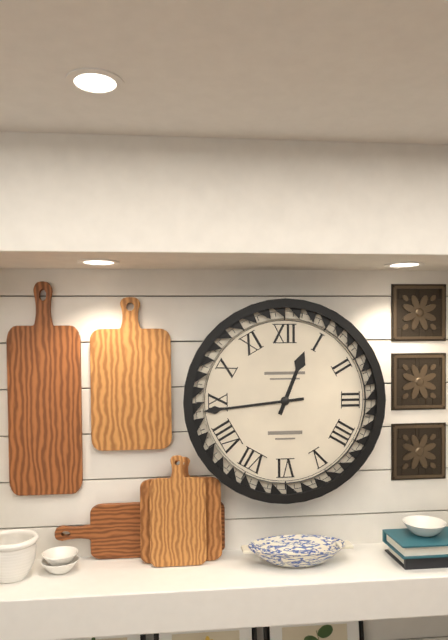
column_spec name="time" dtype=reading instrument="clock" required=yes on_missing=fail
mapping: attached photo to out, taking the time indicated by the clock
12:44
